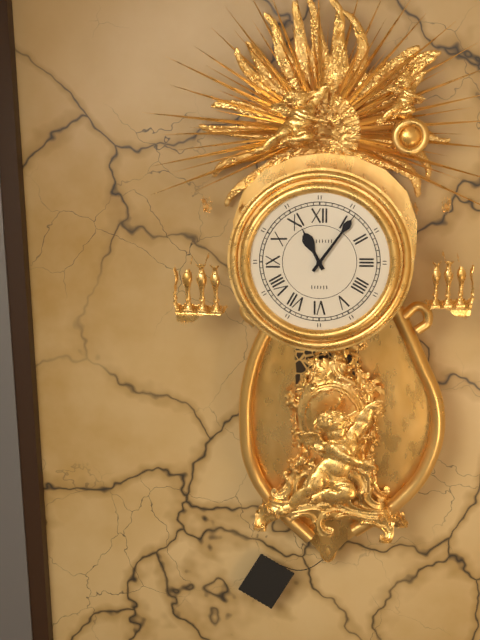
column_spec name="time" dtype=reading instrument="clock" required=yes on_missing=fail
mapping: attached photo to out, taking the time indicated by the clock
11:06
